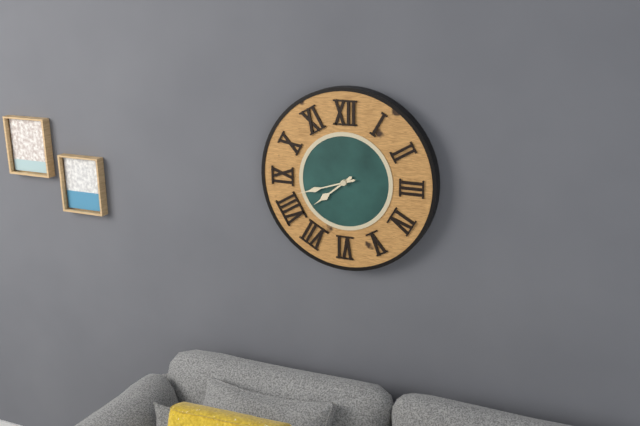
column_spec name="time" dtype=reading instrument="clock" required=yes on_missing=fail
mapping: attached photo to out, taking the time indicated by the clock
7:42
